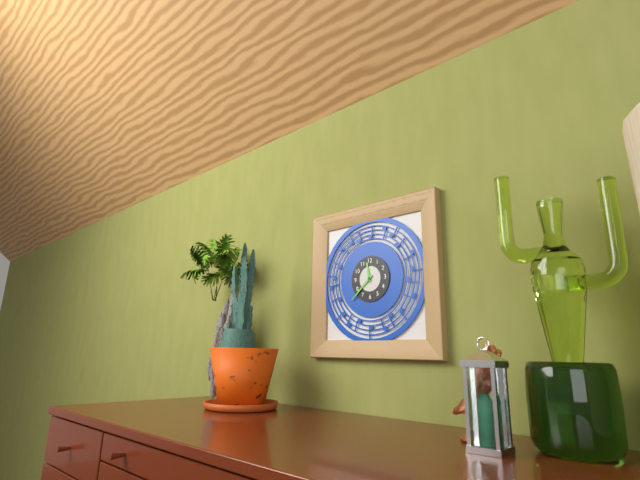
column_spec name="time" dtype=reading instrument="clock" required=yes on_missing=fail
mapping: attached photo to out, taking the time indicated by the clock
11:38
